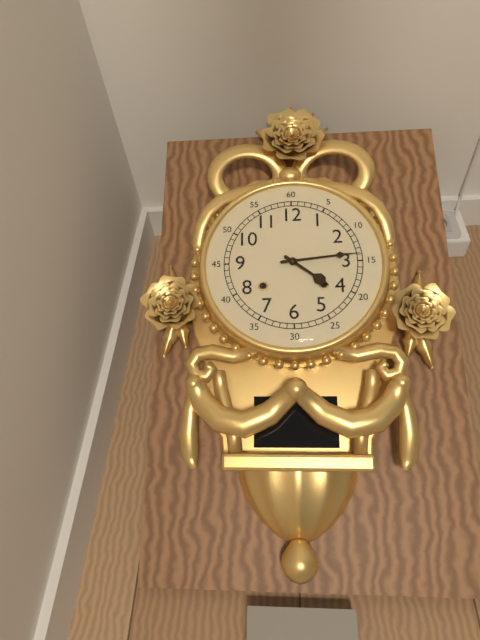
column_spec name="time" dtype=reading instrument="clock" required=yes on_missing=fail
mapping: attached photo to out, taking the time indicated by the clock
4:14
